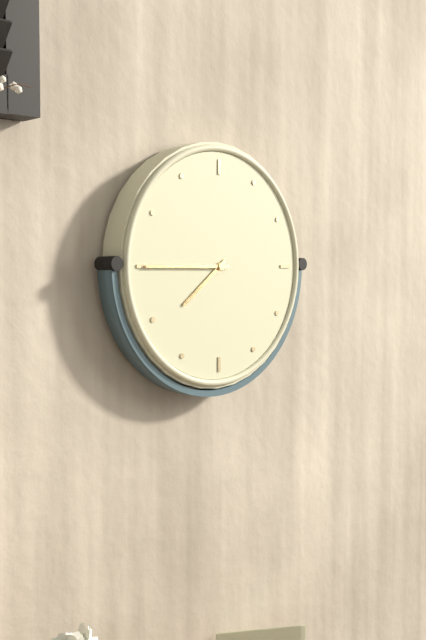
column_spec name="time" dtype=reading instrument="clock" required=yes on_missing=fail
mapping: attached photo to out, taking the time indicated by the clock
7:45
